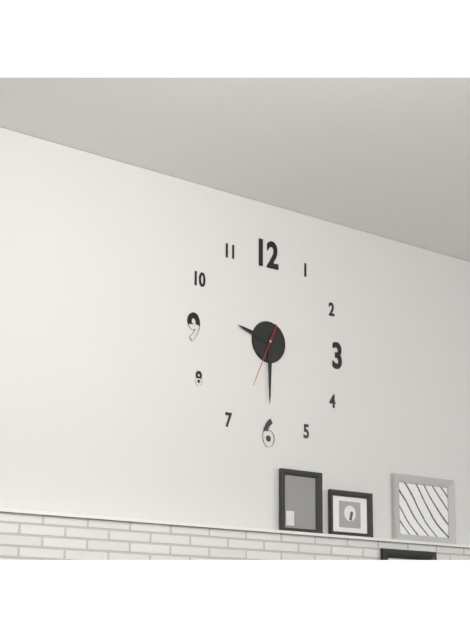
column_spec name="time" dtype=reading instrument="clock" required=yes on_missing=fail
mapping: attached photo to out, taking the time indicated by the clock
9:30:34
